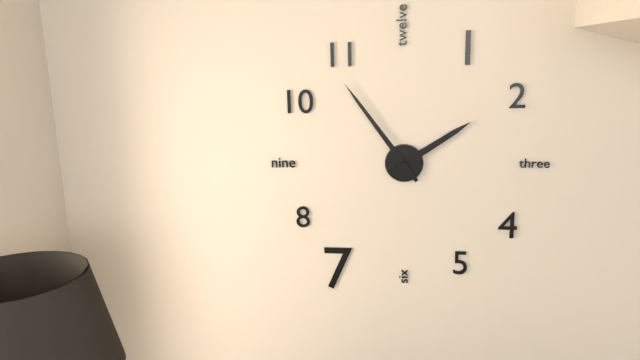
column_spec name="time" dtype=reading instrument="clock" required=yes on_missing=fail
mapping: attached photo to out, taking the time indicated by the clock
1:54
